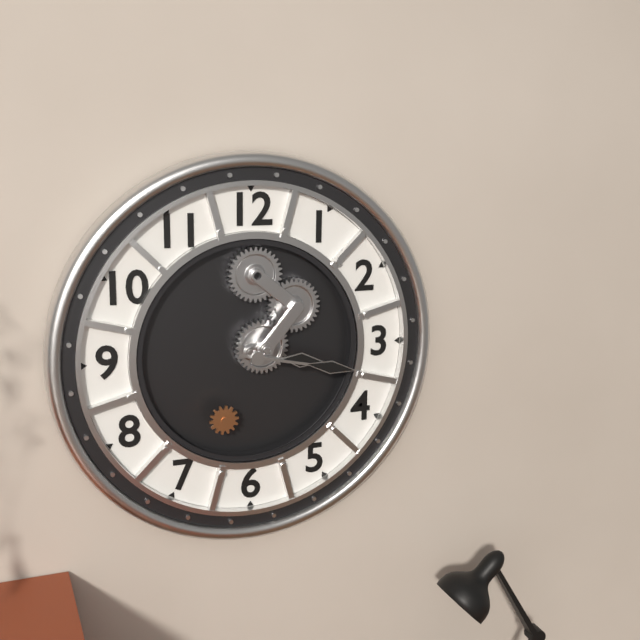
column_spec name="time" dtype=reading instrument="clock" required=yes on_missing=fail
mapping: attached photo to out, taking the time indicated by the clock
3:17
